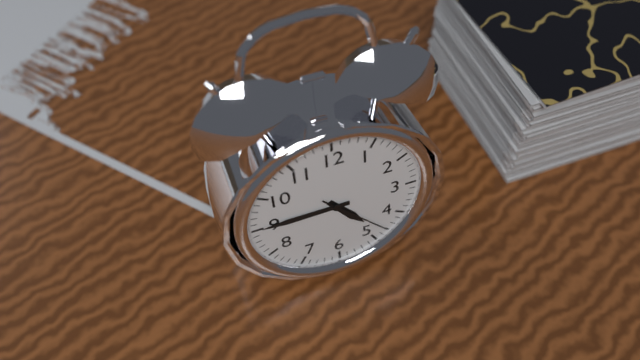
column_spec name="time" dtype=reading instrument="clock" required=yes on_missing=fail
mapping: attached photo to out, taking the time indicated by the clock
4:45:23
